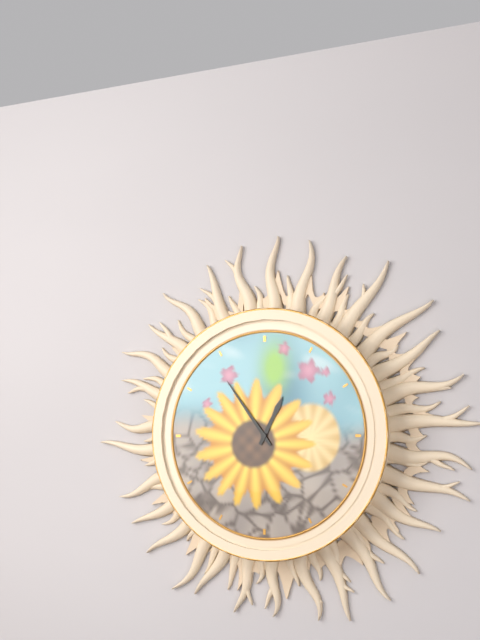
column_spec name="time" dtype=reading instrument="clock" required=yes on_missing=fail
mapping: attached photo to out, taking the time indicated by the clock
12:54
